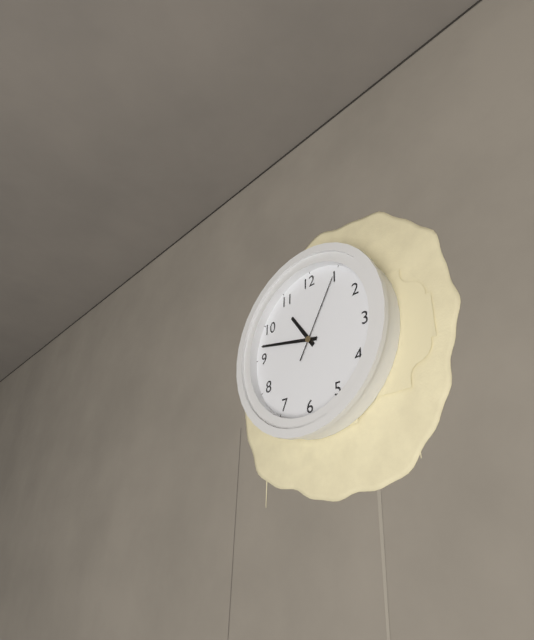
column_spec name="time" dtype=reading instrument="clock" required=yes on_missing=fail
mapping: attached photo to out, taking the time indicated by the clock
10:47:05
